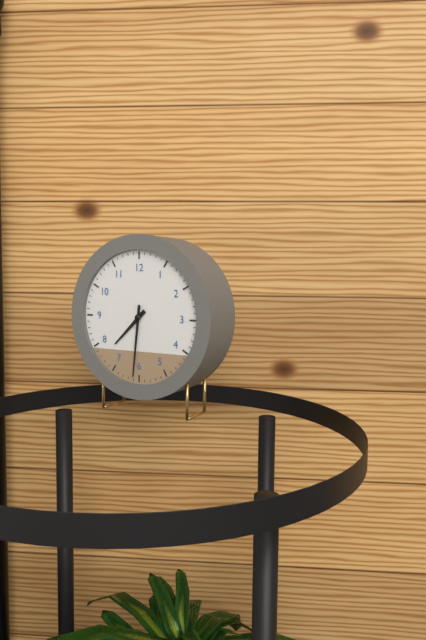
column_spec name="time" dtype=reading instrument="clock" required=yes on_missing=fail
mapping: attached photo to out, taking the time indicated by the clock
7:31
